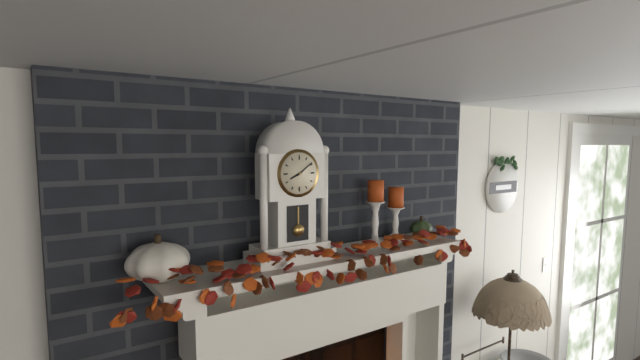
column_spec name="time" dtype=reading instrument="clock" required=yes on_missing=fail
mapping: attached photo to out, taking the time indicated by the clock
8:09
